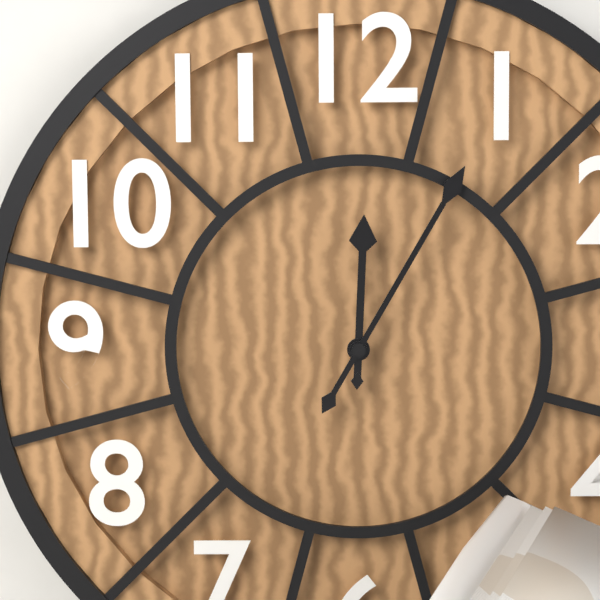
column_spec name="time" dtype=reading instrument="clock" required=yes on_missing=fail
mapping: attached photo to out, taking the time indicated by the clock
12:05
